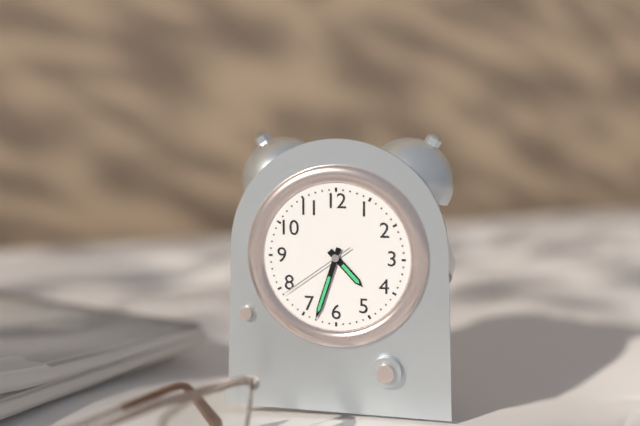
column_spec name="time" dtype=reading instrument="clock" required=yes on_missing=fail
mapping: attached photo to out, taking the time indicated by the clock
4:33:39
